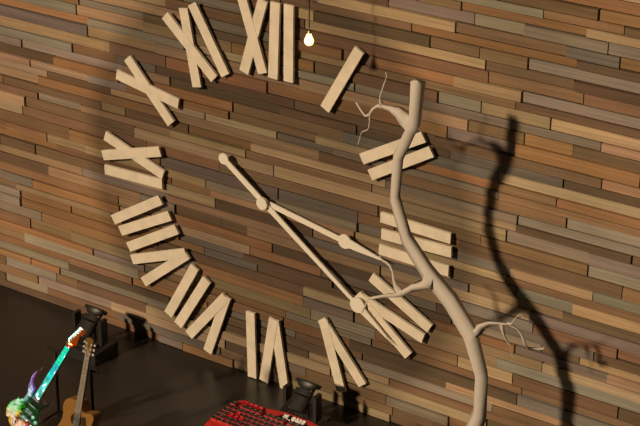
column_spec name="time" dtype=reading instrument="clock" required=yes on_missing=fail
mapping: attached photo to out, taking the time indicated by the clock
3:21
